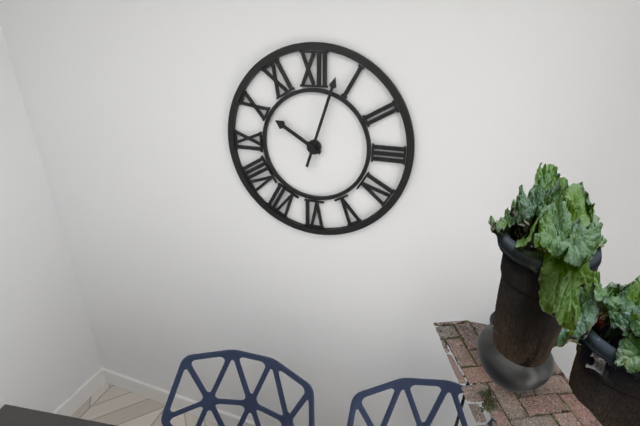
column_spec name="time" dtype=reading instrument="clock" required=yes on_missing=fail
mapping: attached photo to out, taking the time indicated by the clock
10:03
